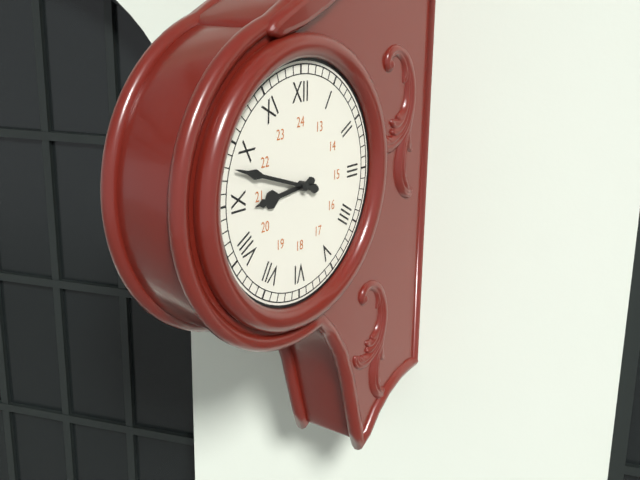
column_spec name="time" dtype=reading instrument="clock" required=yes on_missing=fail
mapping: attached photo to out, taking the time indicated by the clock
8:48
